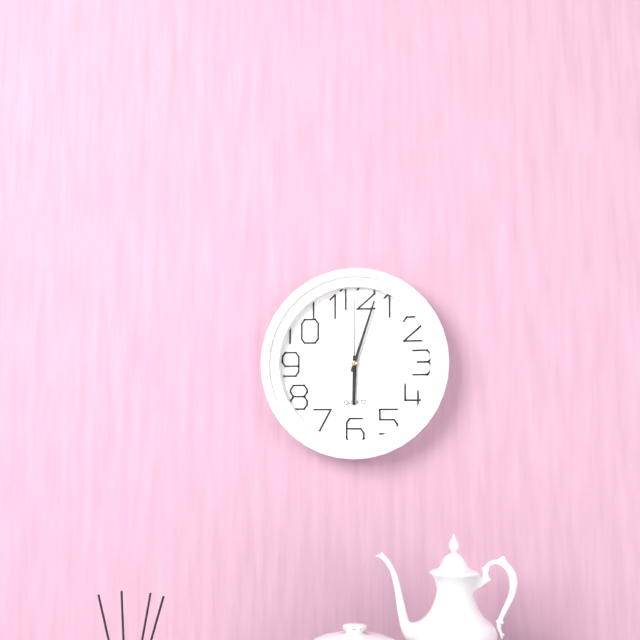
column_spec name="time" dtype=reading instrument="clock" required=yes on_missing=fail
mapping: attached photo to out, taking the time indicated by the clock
6:03:00
